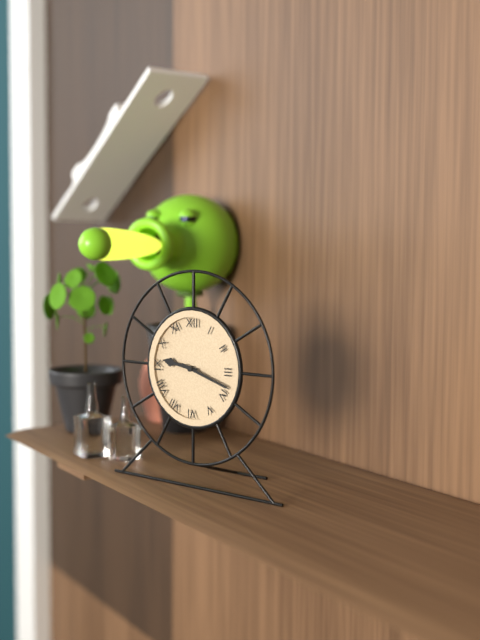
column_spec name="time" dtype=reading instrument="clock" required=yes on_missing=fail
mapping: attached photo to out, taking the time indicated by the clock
9:18
